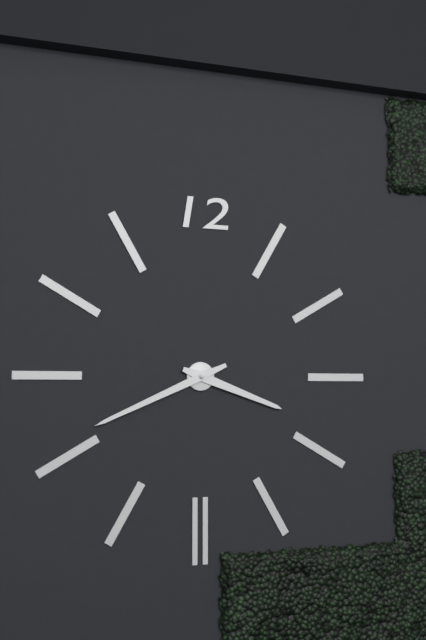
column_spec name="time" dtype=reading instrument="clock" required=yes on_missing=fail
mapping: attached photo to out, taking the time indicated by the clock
3:41
